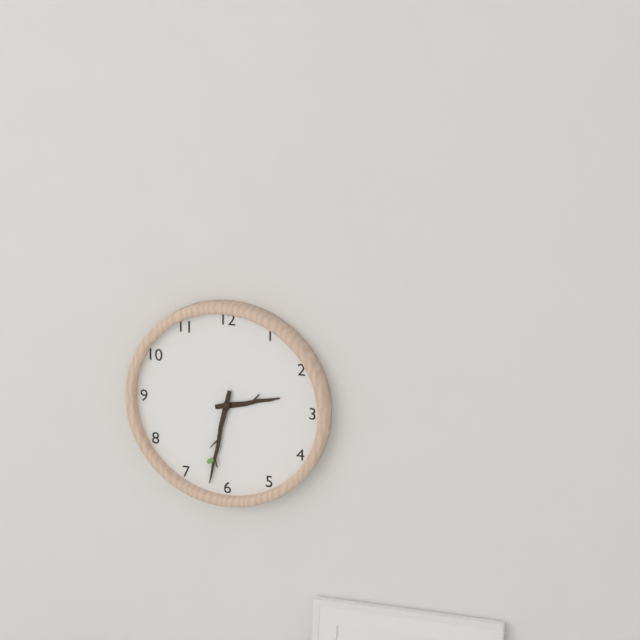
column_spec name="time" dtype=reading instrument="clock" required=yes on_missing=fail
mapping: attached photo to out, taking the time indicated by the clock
2:32
